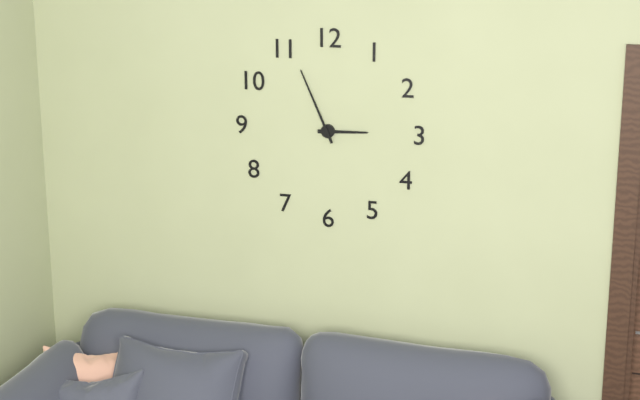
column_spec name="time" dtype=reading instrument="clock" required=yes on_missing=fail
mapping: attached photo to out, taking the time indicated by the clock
2:56
